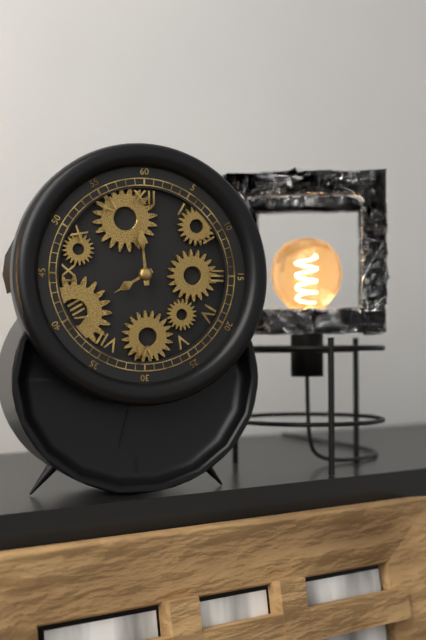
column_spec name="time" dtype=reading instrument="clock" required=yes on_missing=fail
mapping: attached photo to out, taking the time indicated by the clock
7:59
